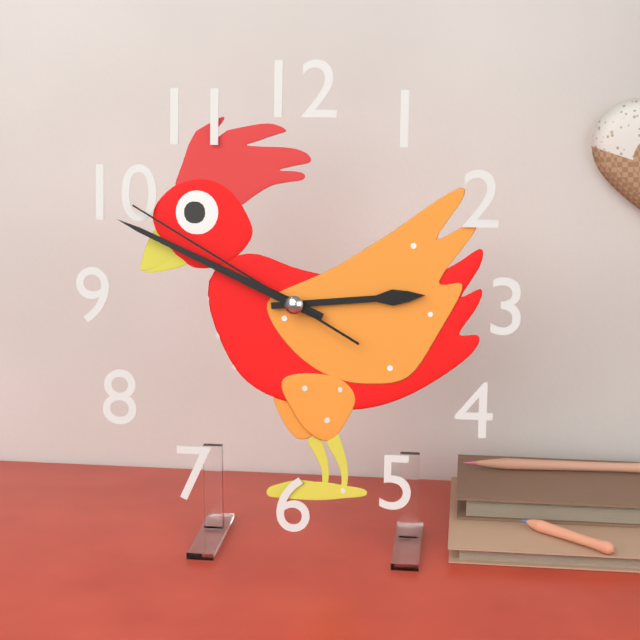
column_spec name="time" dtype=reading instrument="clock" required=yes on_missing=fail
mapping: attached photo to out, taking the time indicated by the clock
2:49:50
